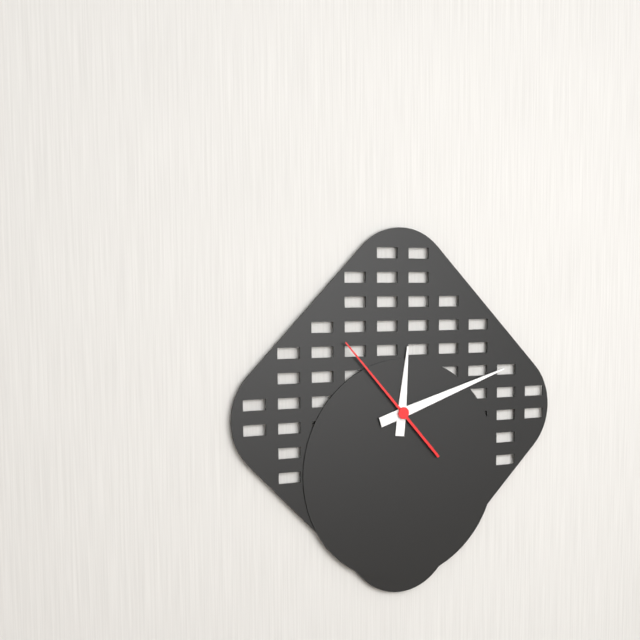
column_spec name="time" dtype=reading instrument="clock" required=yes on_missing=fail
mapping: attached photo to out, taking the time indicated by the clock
12:12:53
